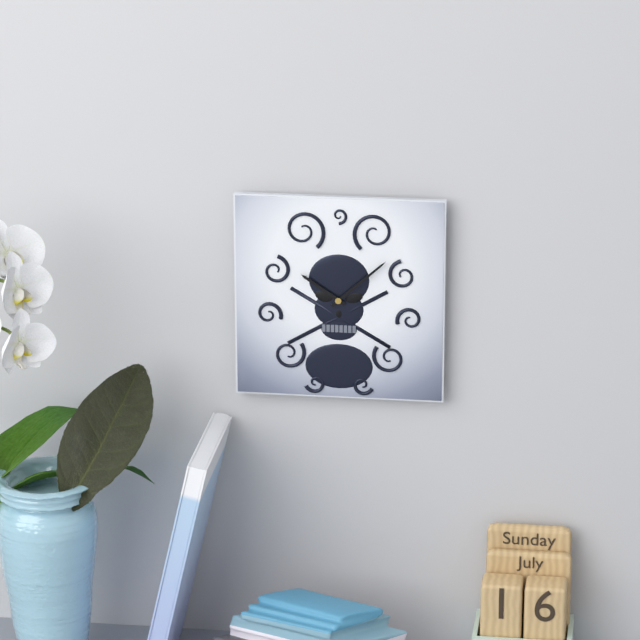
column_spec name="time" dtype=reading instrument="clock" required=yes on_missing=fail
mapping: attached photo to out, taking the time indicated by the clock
10:08
